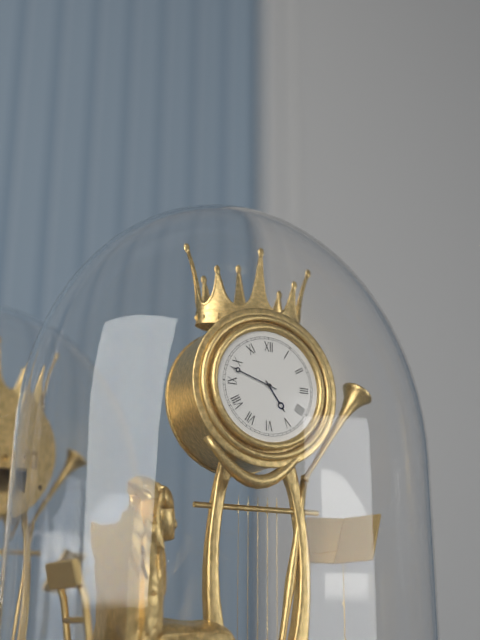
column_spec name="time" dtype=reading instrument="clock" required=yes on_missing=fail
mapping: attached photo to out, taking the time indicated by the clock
4:48
